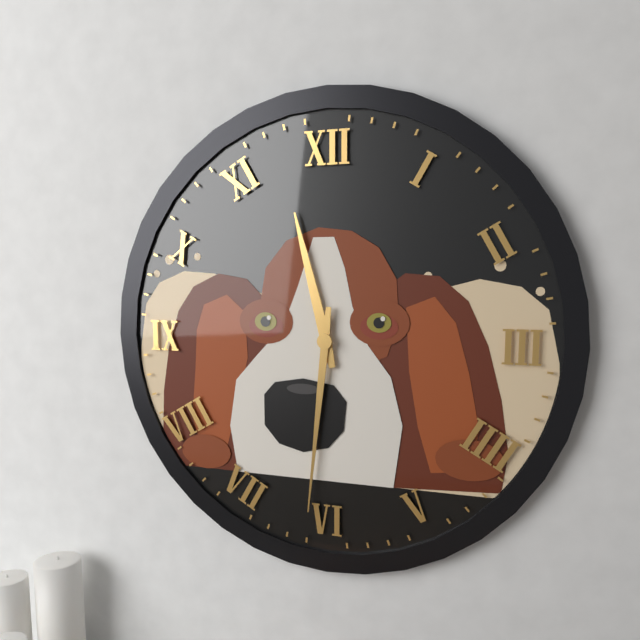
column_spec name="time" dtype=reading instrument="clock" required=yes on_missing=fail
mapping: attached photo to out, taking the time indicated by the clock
11:31
